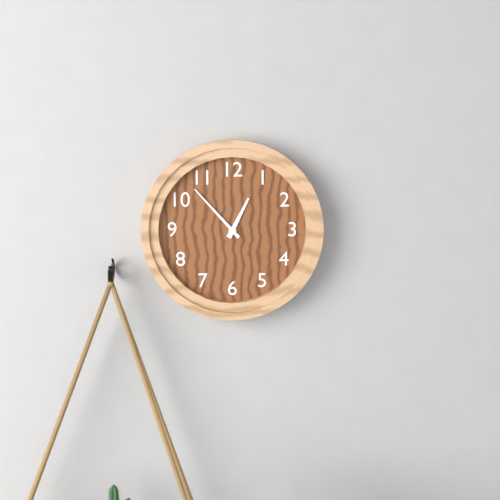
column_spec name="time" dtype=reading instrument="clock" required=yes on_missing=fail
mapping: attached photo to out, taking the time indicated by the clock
12:53
